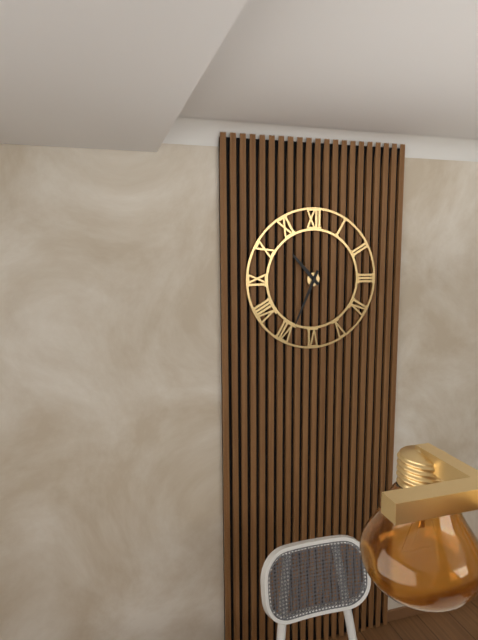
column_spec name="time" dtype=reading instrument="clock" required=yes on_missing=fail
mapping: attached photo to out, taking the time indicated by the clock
10:34
